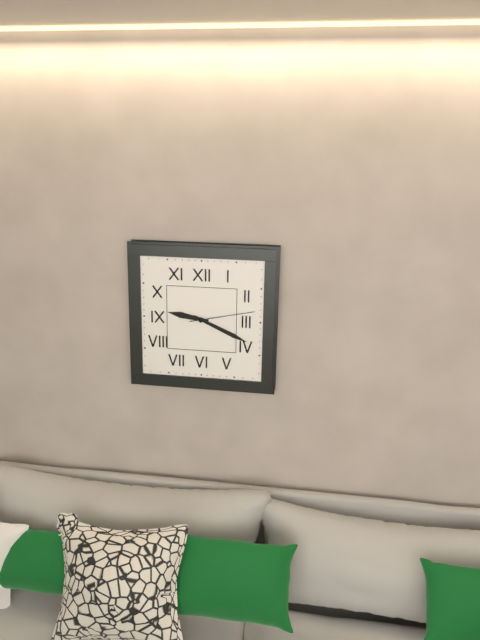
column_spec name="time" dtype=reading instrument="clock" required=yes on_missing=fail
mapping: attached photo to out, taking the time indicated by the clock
9:19:13
